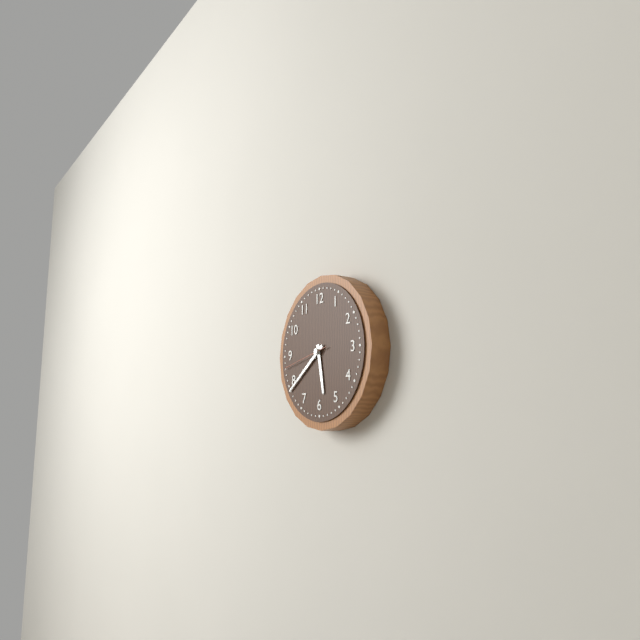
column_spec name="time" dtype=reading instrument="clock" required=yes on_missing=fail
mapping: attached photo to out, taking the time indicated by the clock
5:39
